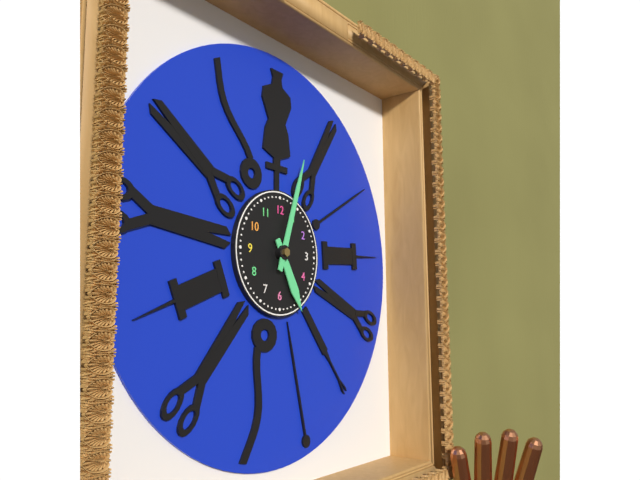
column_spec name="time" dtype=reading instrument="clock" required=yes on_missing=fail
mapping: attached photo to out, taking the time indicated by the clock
5:03
